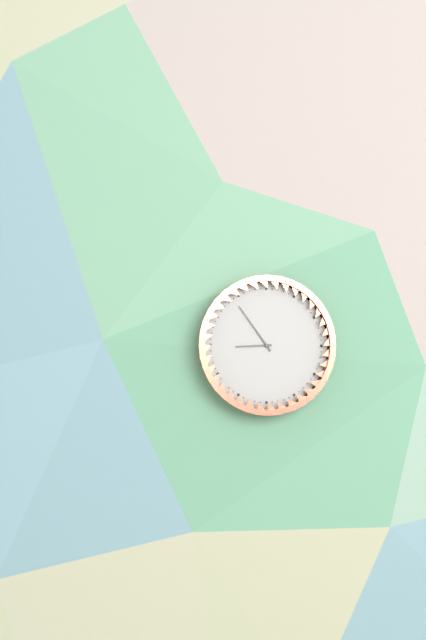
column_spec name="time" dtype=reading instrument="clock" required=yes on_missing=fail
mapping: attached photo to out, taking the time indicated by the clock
8:54
